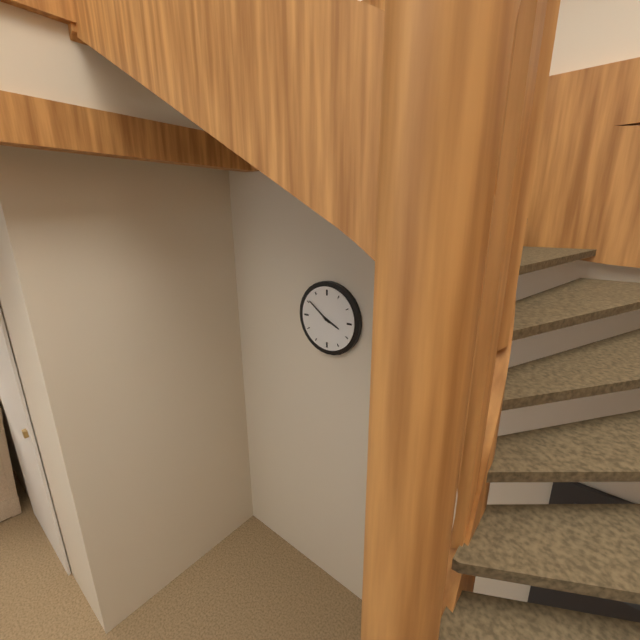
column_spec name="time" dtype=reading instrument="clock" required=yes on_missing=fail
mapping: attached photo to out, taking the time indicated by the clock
3:51
